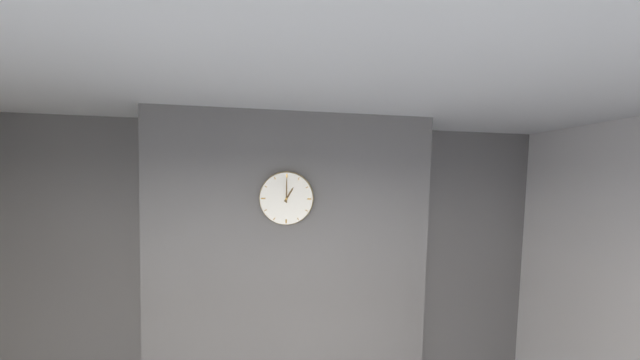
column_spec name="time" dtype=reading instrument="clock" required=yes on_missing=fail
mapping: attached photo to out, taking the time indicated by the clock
1:00
